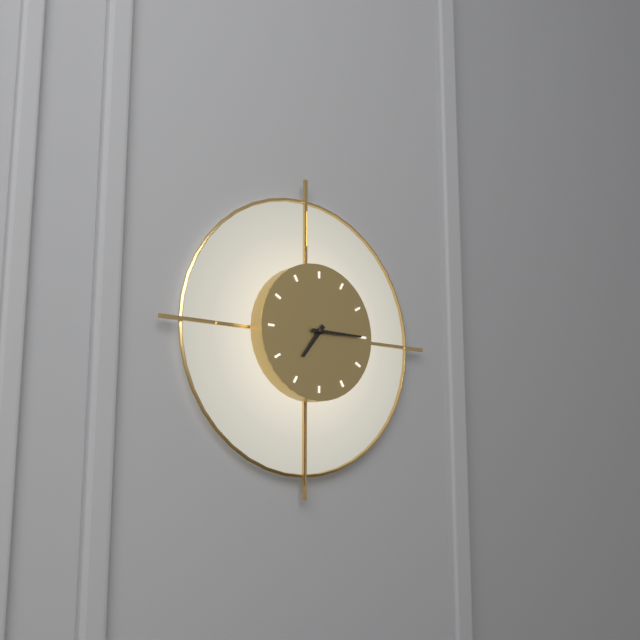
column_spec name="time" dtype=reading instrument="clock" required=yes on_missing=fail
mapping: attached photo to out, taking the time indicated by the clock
7:15
